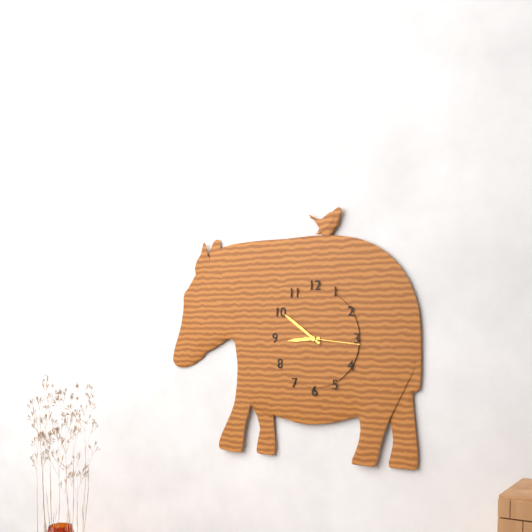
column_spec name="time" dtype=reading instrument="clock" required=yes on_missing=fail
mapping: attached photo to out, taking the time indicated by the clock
8:51:16
